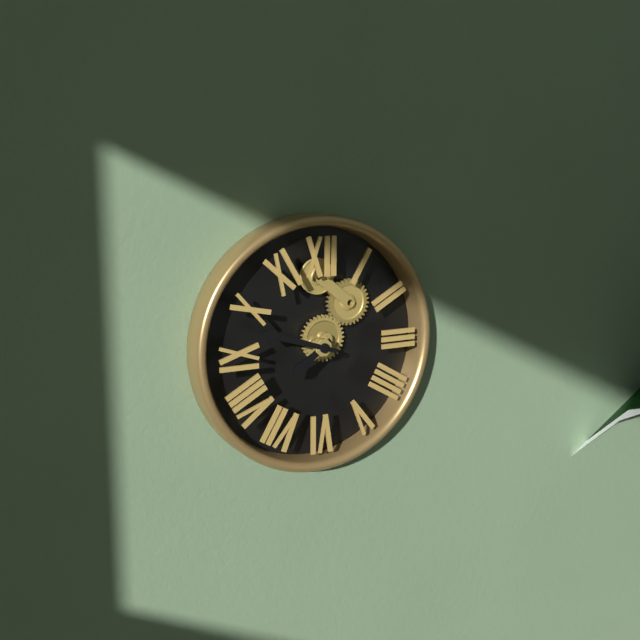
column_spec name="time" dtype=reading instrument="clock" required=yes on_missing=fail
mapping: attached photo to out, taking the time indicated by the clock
7:48
